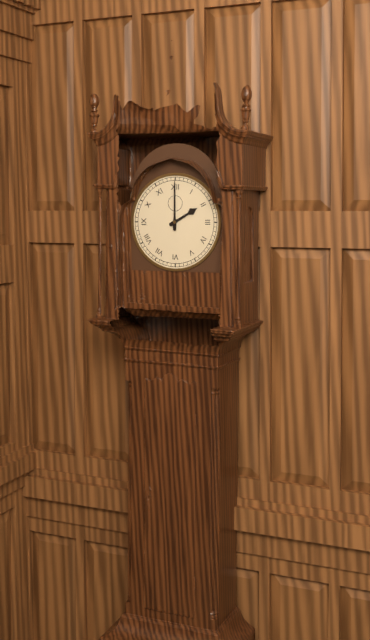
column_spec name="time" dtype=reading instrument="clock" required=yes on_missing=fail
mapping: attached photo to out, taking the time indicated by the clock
2:00
